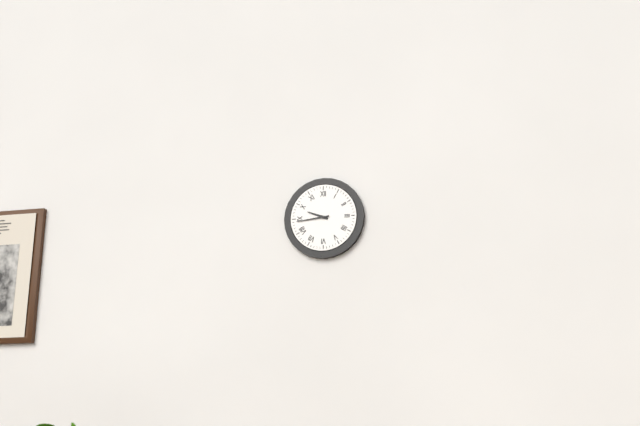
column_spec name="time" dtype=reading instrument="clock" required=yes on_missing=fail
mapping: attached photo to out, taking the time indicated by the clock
9:44
